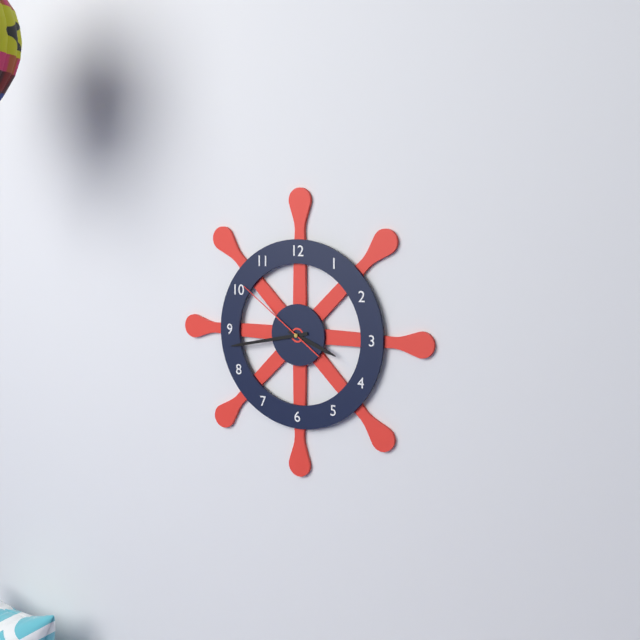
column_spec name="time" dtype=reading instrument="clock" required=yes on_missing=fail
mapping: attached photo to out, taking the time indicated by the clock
3:43:51
